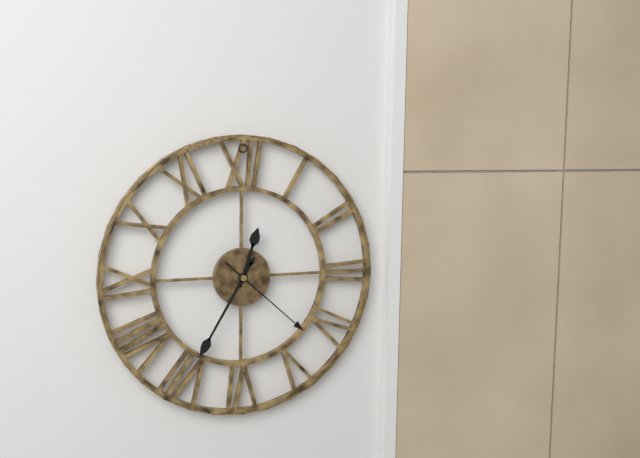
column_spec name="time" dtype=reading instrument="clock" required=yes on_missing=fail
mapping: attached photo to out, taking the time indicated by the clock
12:35:22
